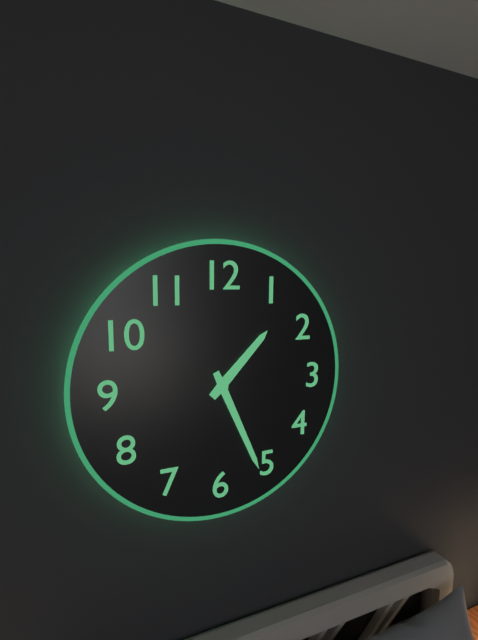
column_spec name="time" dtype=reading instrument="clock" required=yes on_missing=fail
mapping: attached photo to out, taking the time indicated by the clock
1:26
